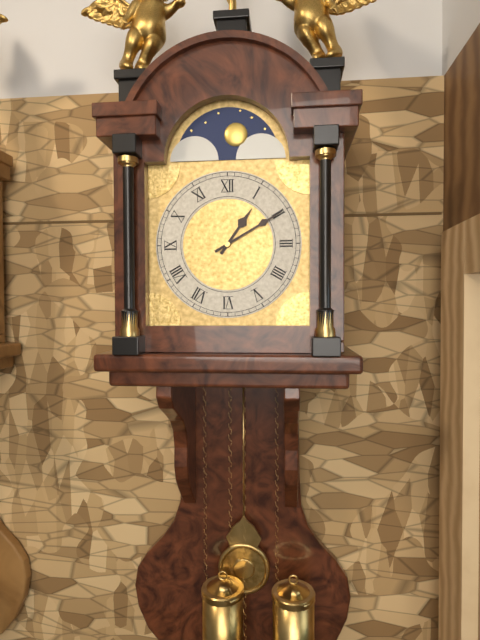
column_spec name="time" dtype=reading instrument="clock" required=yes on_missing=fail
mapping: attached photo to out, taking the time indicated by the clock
1:10
